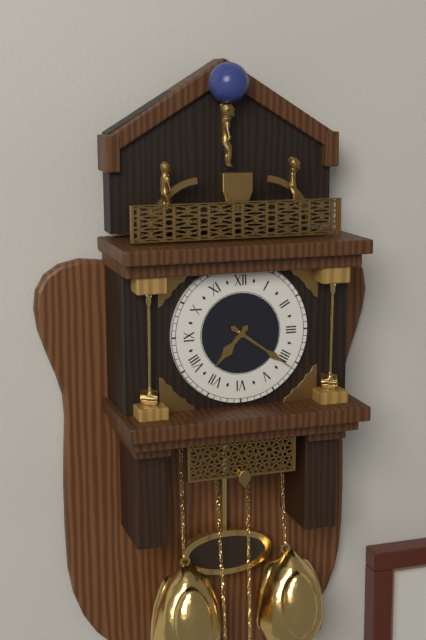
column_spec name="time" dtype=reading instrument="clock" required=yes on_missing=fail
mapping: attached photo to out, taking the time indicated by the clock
7:21
